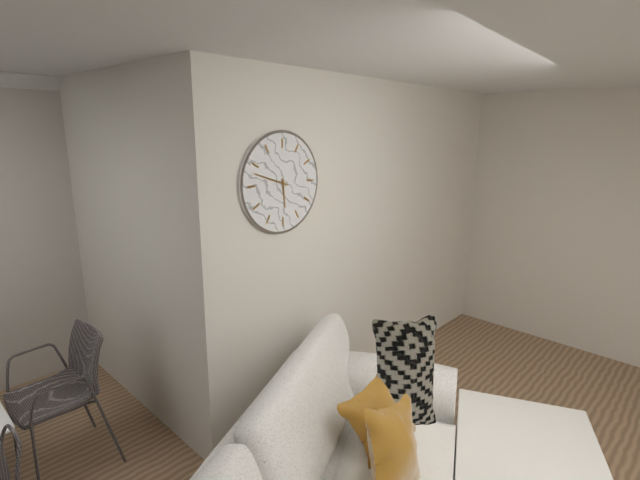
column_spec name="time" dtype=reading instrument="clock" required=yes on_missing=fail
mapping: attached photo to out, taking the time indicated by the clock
5:48
